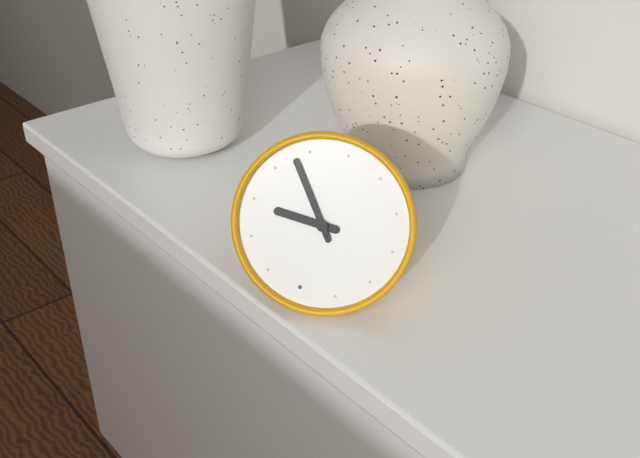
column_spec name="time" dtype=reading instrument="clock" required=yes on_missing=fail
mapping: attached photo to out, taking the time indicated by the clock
8:53
